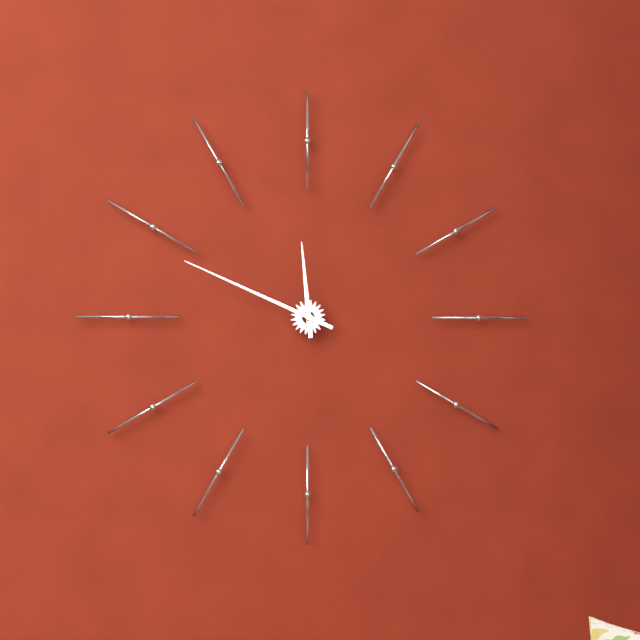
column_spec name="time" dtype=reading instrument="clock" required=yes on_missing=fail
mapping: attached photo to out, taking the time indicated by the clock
11:49
